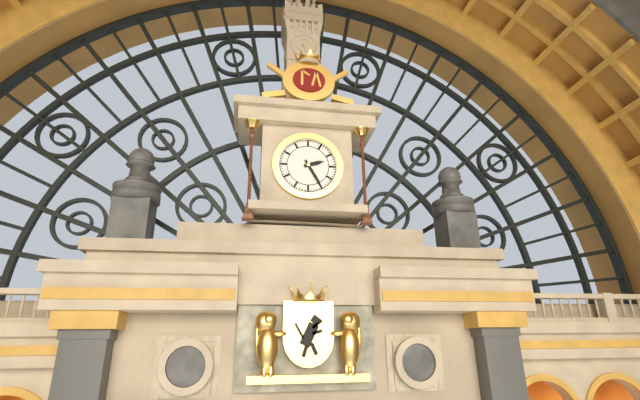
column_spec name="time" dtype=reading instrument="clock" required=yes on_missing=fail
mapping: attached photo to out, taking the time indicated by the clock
2:25
